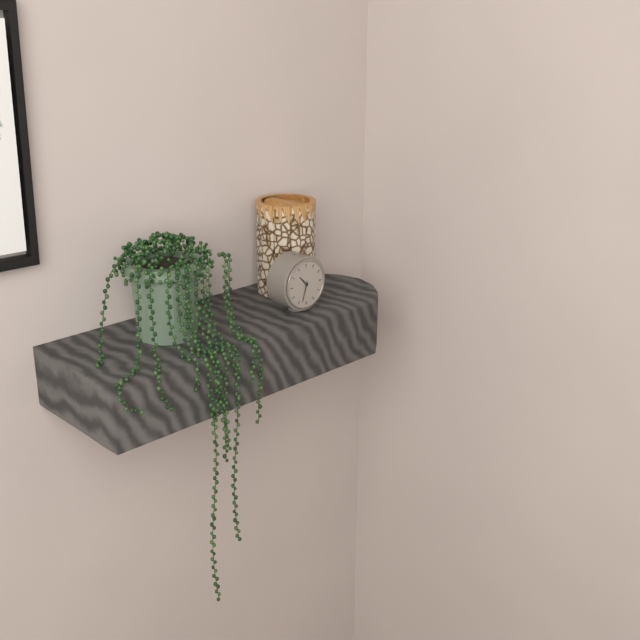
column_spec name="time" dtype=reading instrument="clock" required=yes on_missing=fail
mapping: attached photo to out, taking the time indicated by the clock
10:33
